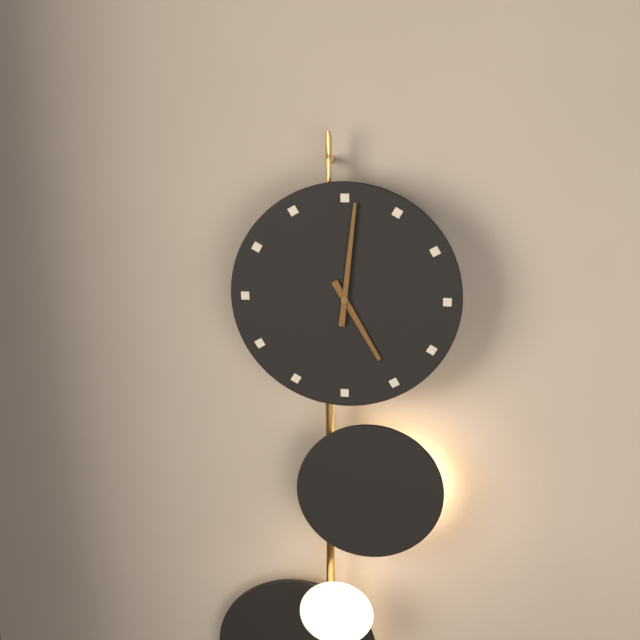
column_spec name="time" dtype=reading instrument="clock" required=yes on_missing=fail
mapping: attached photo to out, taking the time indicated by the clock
5:01
